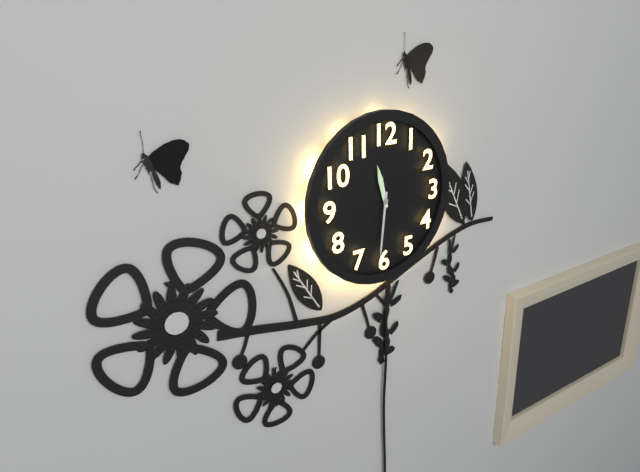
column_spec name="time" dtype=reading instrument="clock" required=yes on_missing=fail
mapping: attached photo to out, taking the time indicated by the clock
11:31
